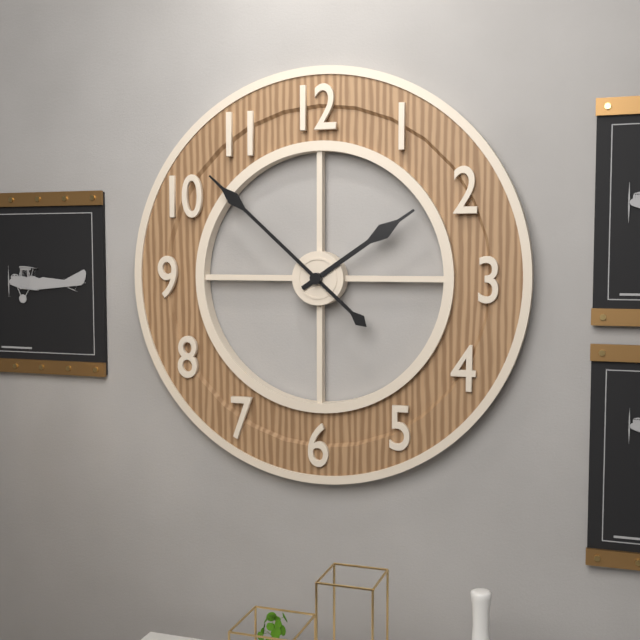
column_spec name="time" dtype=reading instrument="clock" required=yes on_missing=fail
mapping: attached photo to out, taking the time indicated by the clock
1:52
